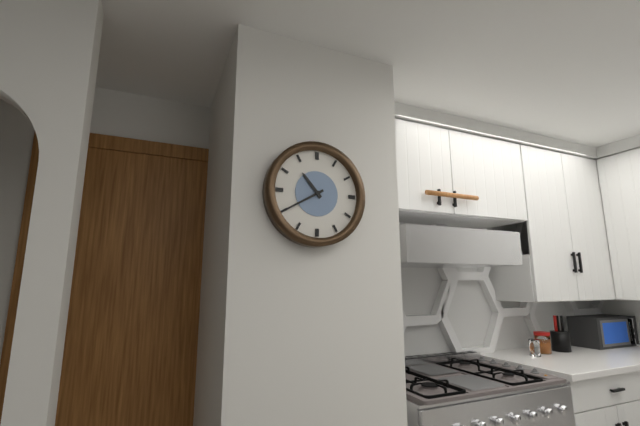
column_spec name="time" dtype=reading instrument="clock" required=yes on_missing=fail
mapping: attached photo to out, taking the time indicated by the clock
10:40
